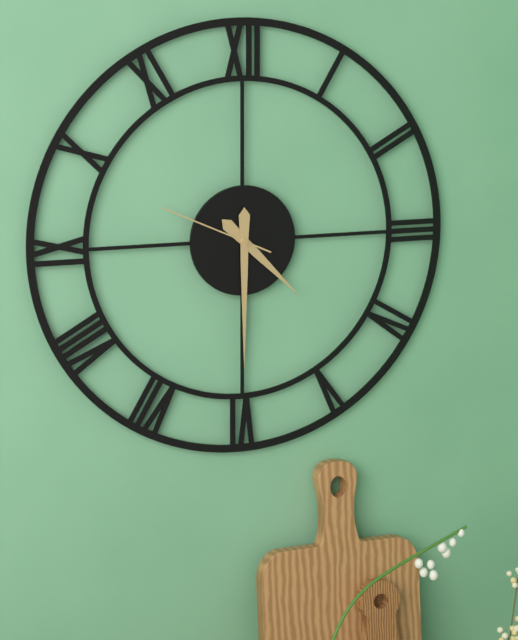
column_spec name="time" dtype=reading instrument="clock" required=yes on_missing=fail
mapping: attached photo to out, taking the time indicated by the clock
4:30:49
